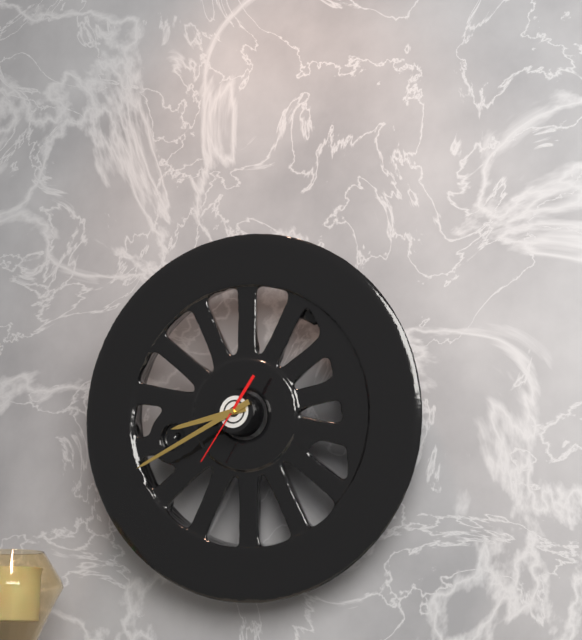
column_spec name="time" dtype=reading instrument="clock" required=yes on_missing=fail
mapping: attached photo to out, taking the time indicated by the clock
8:41:36
